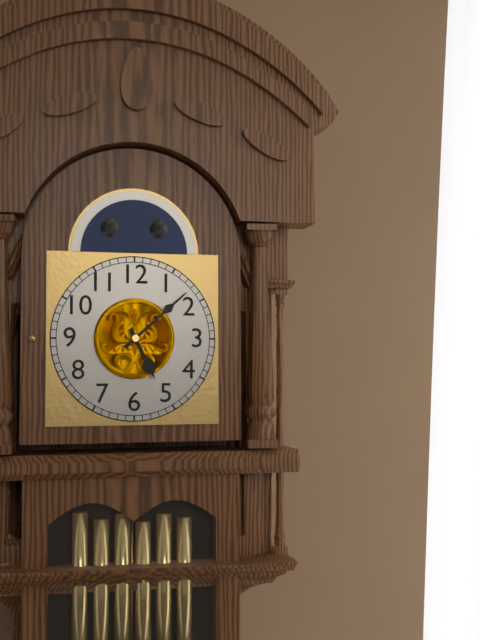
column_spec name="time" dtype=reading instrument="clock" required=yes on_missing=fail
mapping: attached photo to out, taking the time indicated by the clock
5:08
